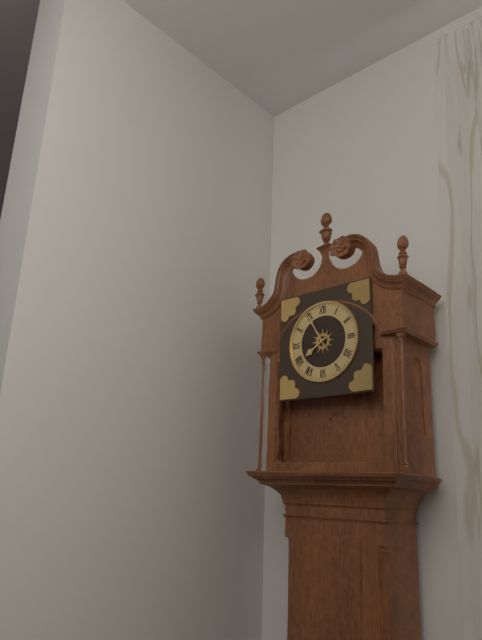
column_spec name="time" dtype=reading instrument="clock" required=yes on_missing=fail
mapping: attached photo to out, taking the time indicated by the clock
7:55
